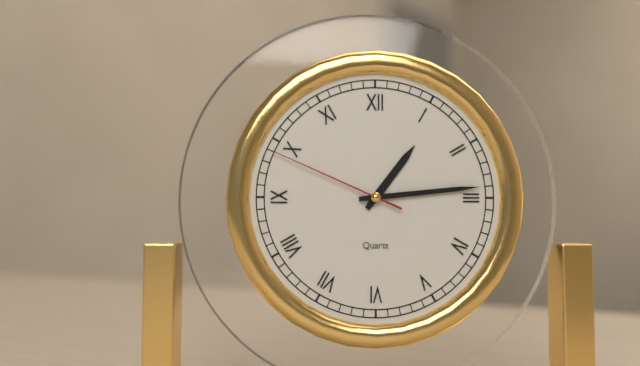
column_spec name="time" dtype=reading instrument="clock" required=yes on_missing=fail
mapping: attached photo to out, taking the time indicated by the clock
1:14:49
